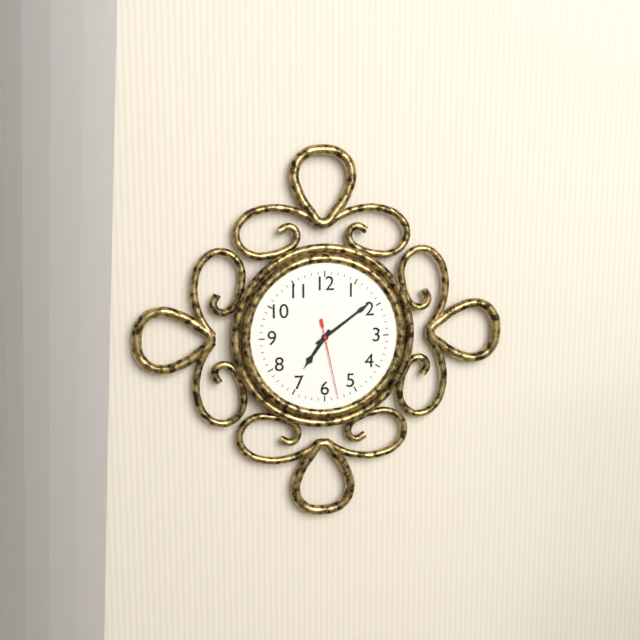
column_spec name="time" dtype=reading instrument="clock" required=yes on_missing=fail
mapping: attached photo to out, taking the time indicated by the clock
7:09:28
